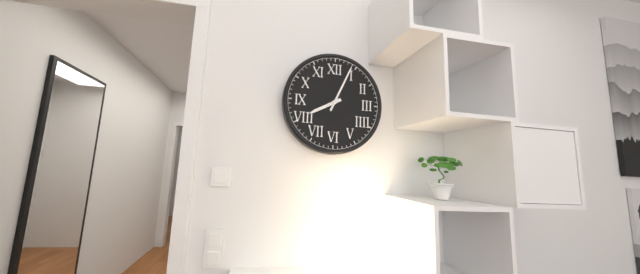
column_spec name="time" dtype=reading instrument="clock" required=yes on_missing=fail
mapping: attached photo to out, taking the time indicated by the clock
8:04
